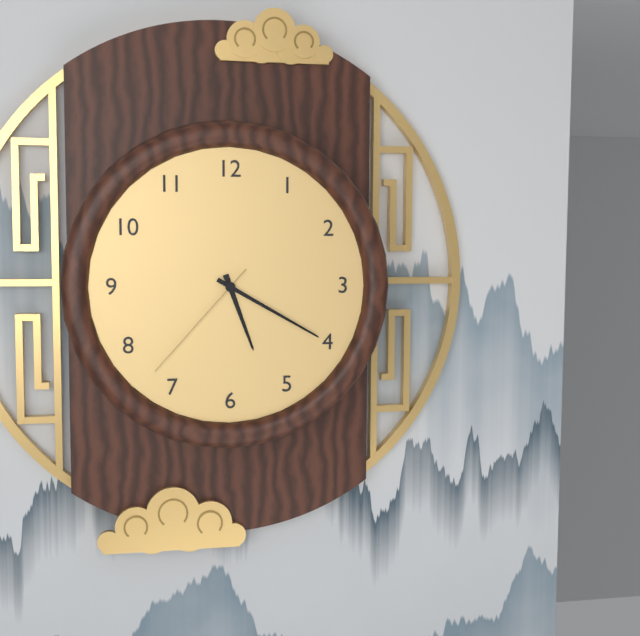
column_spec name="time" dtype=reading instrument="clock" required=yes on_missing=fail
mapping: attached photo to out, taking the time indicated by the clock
5:20:37
